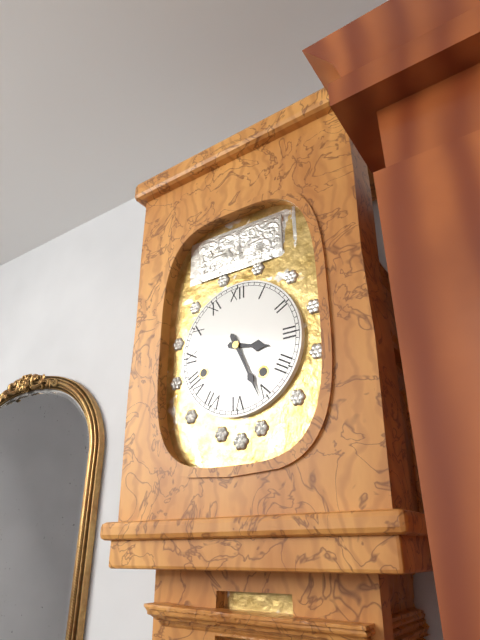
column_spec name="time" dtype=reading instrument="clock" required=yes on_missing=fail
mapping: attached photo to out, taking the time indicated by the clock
3:26
